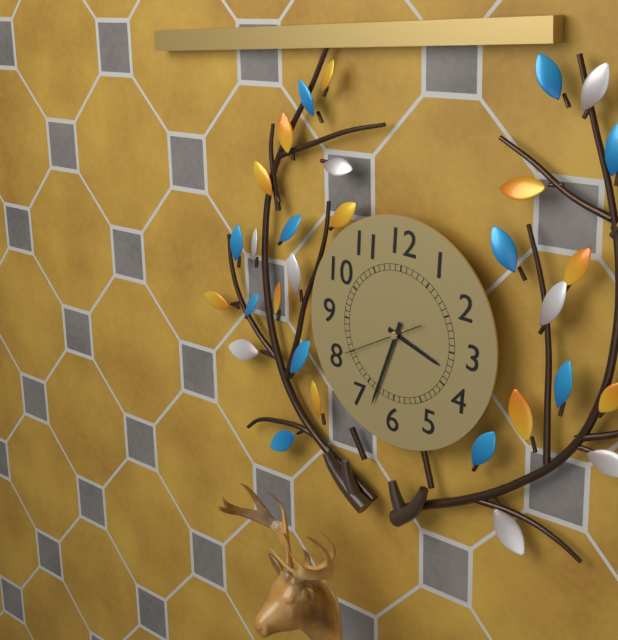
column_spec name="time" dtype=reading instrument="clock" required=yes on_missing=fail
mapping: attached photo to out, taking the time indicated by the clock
3:33:40
